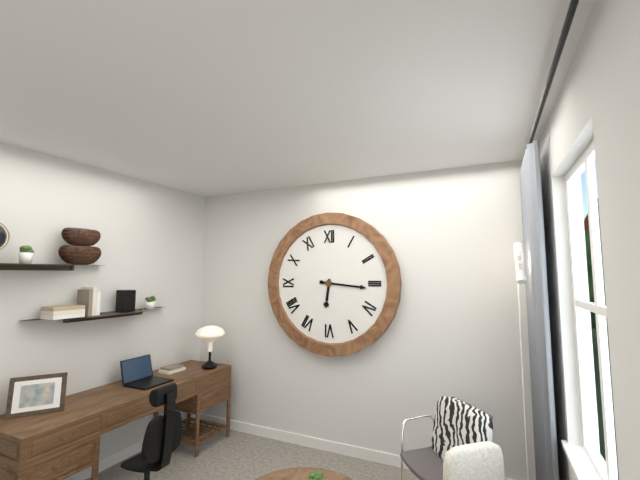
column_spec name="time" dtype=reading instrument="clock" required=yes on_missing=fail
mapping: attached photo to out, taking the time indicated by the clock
6:16
